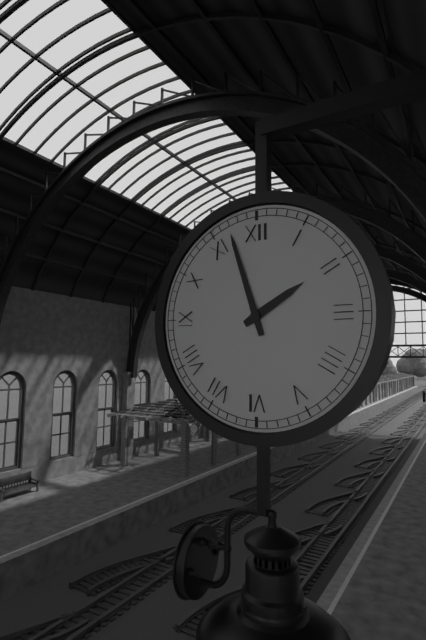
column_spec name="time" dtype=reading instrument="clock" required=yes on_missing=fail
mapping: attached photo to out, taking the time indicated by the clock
1:57
